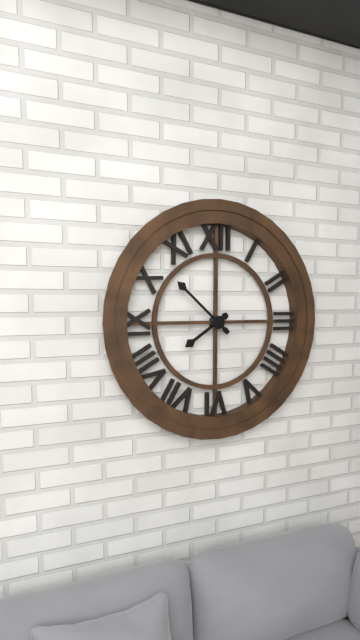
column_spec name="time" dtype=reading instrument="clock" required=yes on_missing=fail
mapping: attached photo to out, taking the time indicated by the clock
7:52
